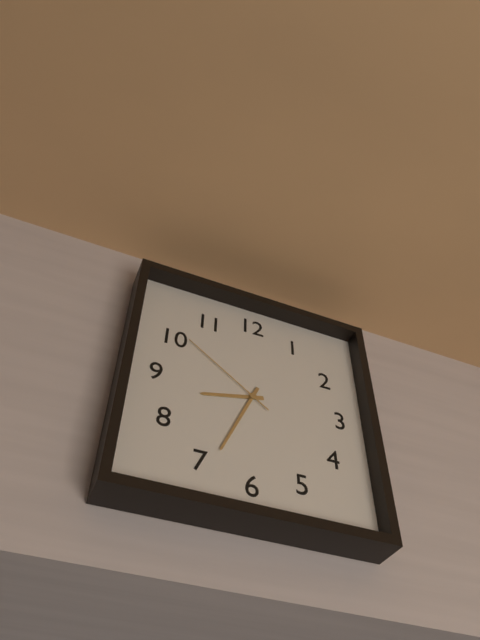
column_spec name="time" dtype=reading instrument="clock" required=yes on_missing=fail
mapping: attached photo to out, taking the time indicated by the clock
8:34:51
